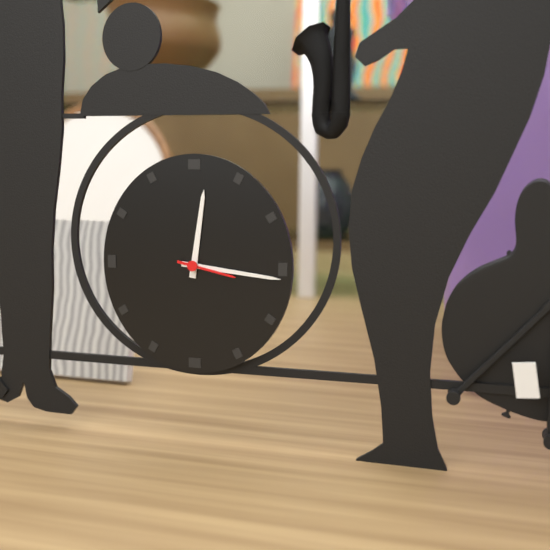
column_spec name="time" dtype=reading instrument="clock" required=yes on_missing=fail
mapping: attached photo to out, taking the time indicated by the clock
12:16
